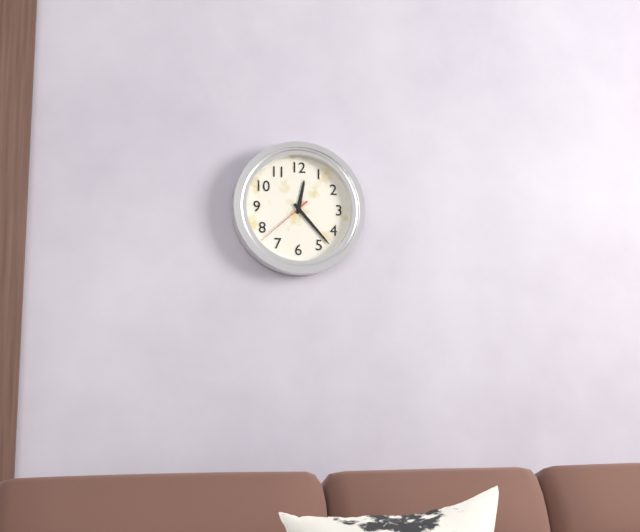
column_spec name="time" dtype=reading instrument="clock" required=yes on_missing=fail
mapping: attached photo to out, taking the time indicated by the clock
12:23:38
